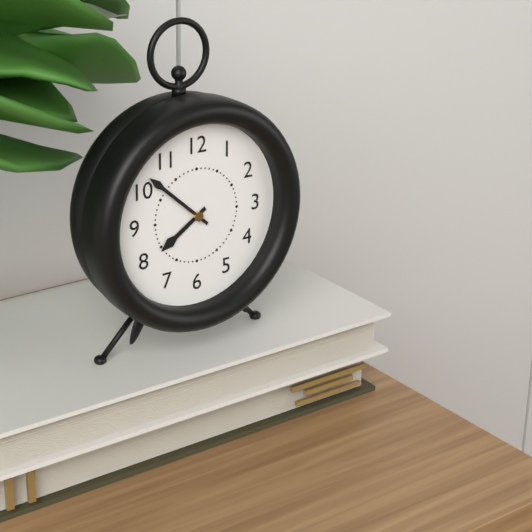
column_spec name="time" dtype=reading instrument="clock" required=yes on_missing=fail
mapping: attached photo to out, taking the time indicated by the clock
7:52
